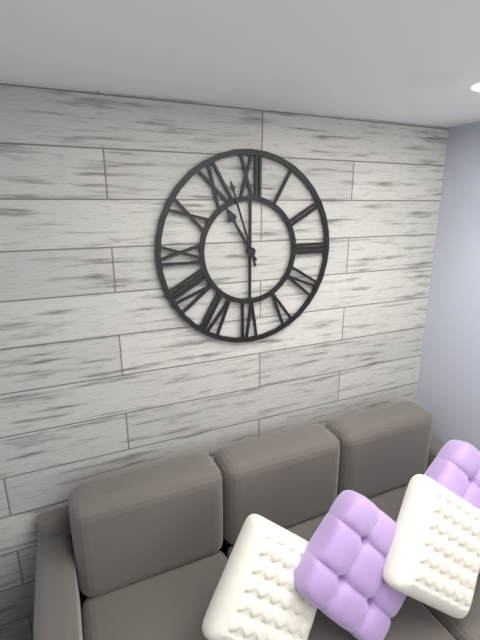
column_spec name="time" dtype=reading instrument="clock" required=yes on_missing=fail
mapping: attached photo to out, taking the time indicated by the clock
10:57
